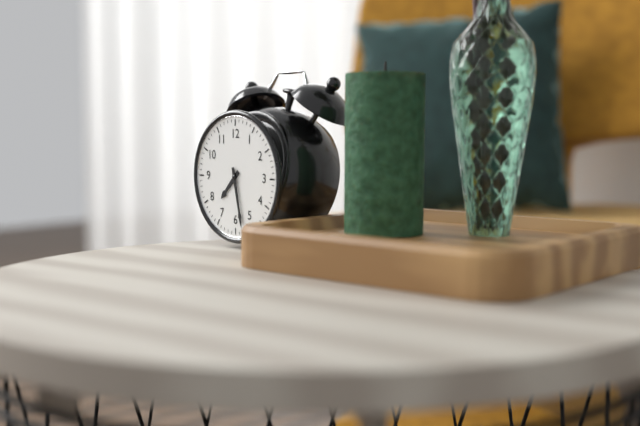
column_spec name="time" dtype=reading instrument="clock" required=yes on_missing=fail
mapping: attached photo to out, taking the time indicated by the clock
7:28
